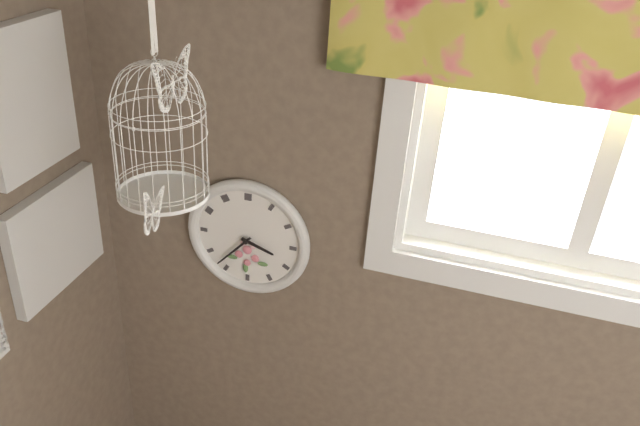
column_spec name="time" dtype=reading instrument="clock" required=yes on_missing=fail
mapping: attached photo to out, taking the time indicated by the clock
3:37
